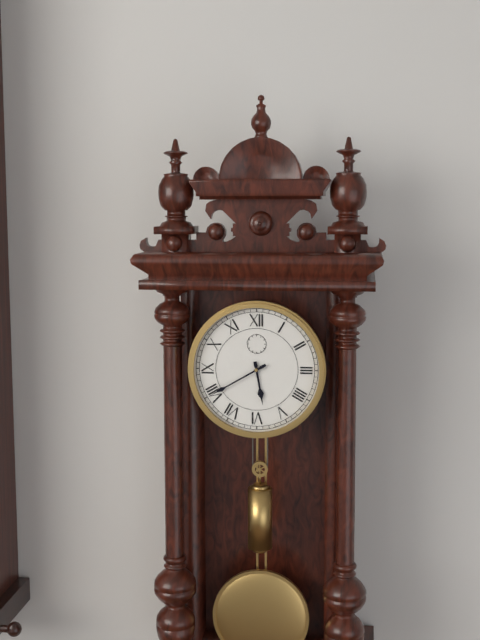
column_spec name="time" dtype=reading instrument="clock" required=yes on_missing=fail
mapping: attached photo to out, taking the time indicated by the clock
5:40
